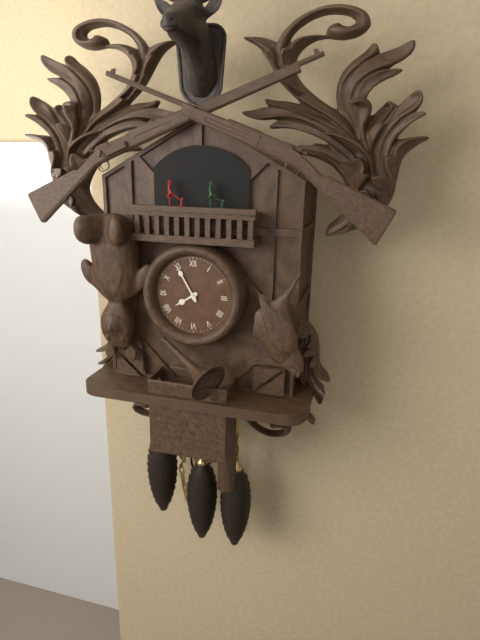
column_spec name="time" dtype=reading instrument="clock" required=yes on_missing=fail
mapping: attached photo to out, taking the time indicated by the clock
7:55
